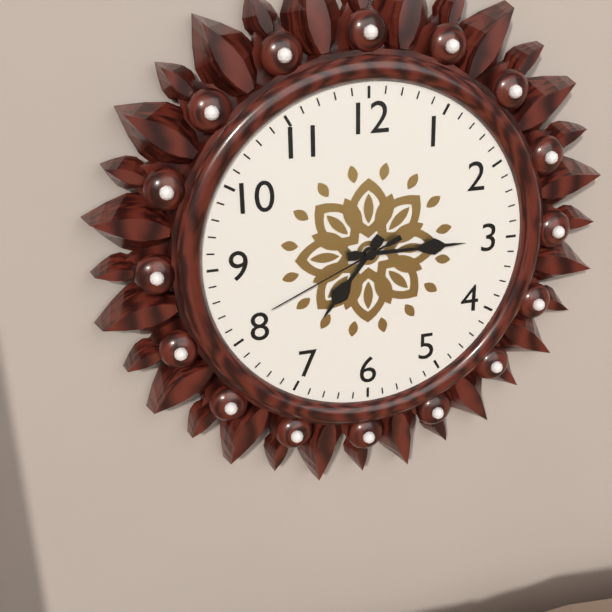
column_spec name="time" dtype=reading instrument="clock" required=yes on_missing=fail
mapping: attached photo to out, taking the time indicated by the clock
7:15:41
